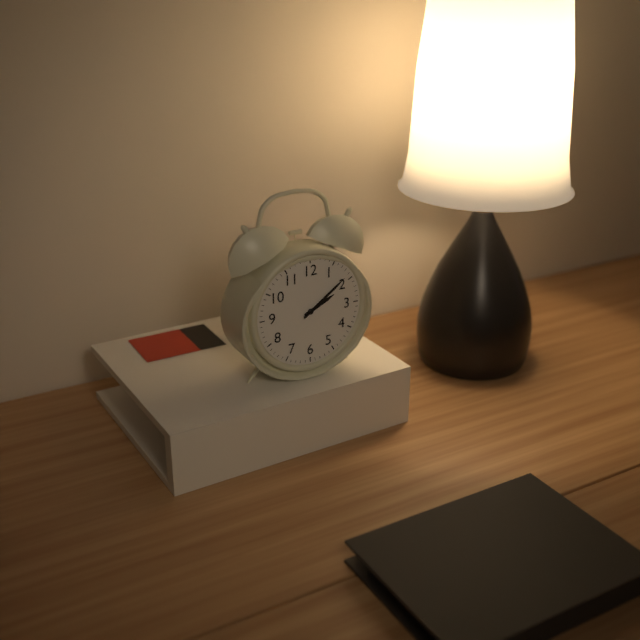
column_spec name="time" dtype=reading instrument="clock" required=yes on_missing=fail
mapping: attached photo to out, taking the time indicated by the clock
2:09
